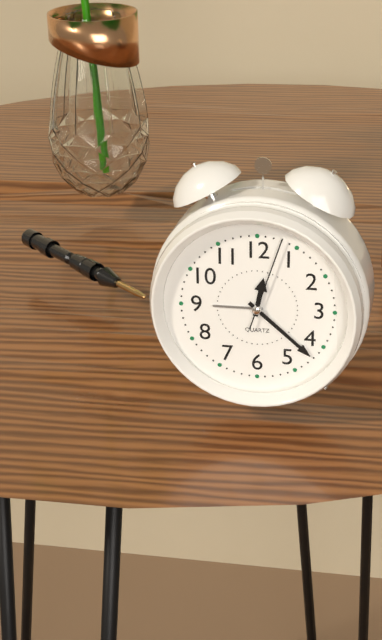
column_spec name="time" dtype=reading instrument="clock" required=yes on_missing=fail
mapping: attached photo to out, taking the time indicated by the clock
12:22:03
